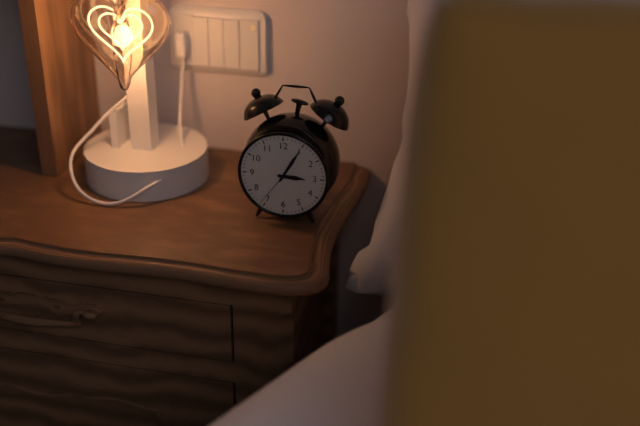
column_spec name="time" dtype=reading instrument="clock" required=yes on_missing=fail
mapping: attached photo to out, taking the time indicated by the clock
3:05
